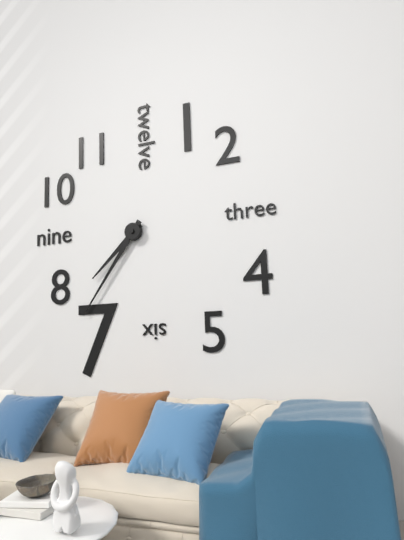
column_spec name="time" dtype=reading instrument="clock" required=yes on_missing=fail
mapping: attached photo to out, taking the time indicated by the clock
7:36
